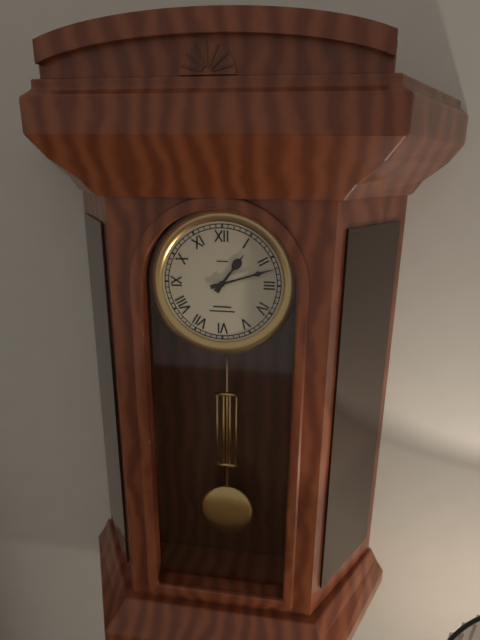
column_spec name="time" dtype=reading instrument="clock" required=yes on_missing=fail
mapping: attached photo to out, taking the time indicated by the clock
1:12
